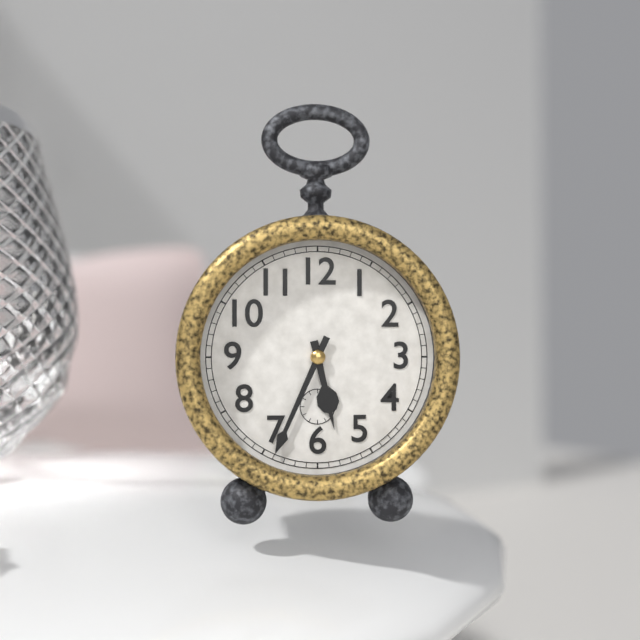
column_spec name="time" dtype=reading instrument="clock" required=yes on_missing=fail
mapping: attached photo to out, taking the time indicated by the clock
5:34
